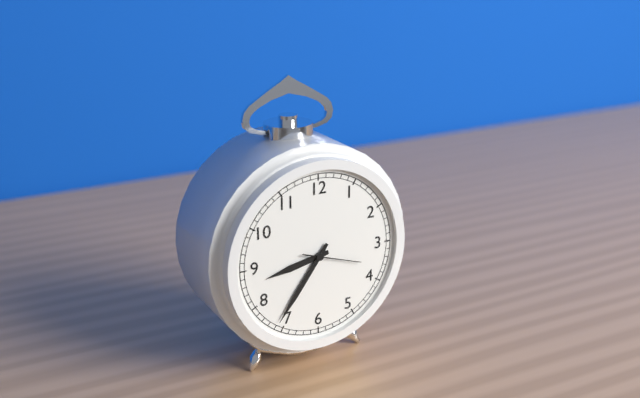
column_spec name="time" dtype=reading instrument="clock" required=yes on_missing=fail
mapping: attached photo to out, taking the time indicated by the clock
8:36:18
